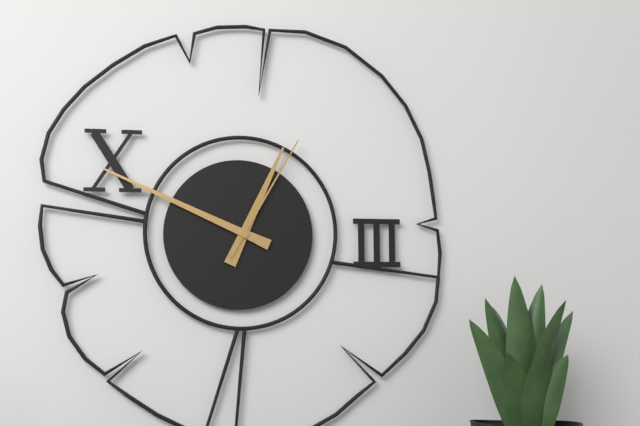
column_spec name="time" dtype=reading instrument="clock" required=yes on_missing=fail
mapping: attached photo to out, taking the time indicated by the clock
12:49:05
